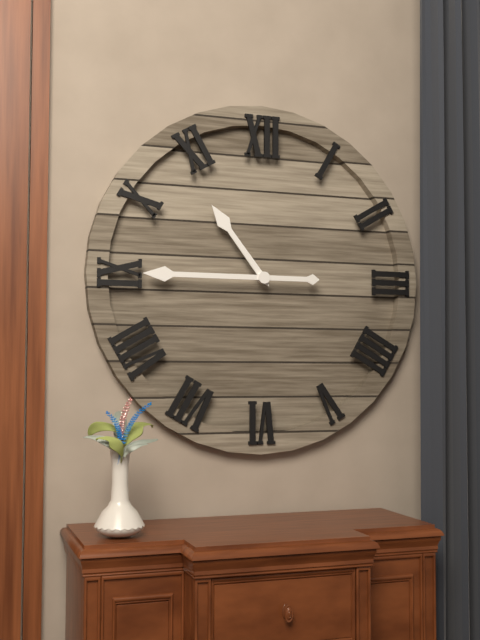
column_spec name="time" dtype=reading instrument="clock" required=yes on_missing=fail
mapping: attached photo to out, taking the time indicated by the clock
10:45
